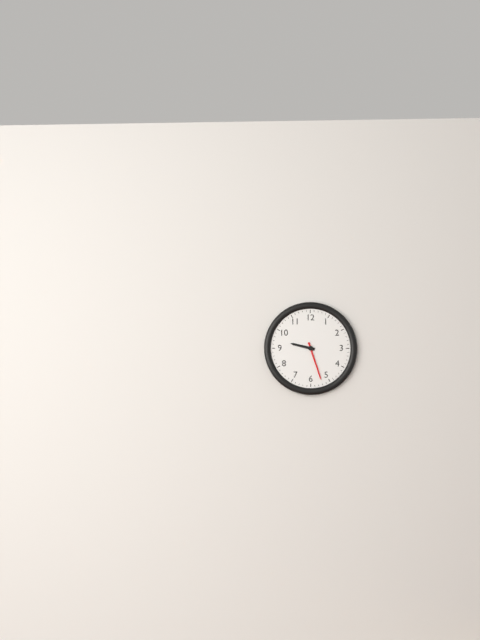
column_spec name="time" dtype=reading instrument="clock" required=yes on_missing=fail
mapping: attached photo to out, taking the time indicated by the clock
9:27
